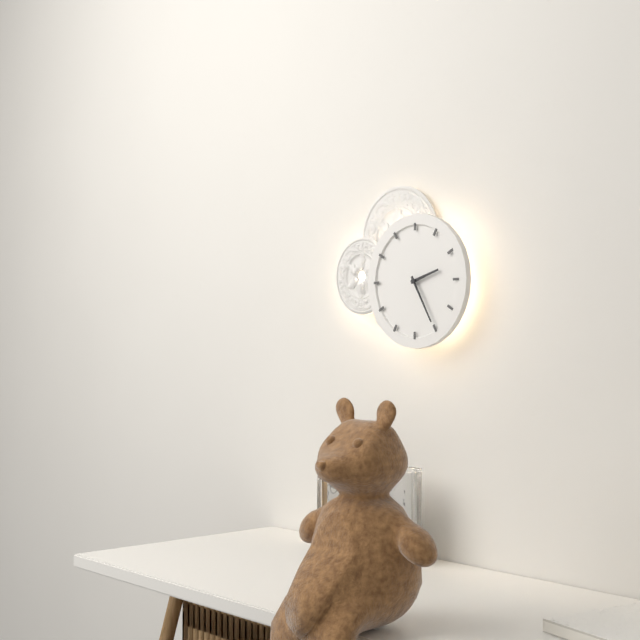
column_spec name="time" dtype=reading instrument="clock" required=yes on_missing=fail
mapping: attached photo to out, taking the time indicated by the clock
2:25
